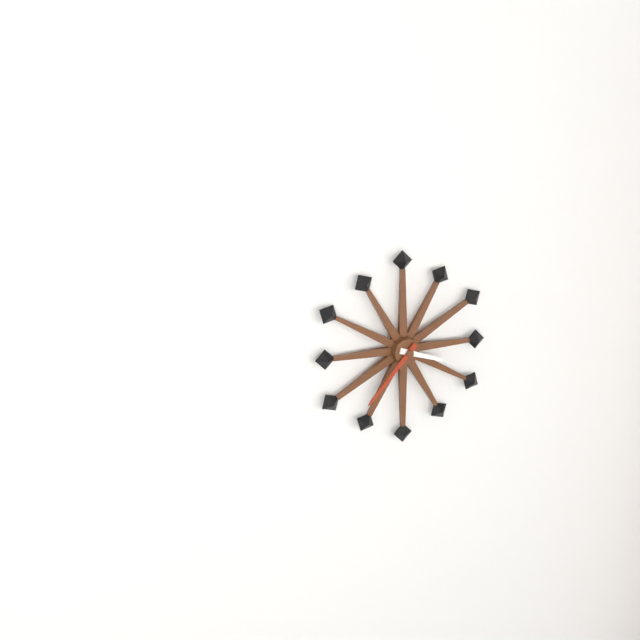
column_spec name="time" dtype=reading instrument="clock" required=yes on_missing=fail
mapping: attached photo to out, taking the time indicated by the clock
3:37
